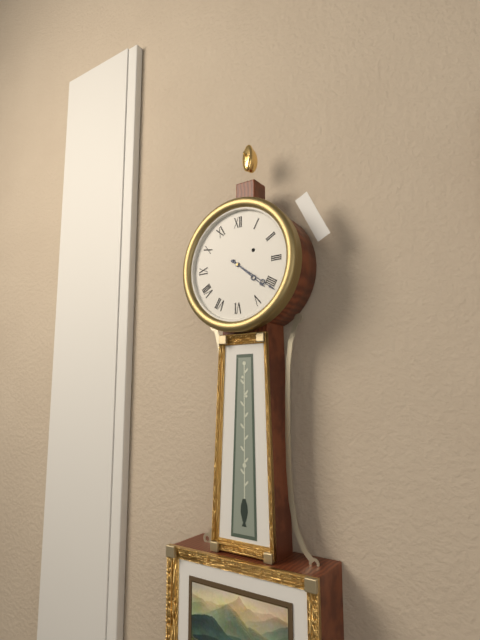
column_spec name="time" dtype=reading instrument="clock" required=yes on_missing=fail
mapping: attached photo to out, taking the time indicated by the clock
4:21
